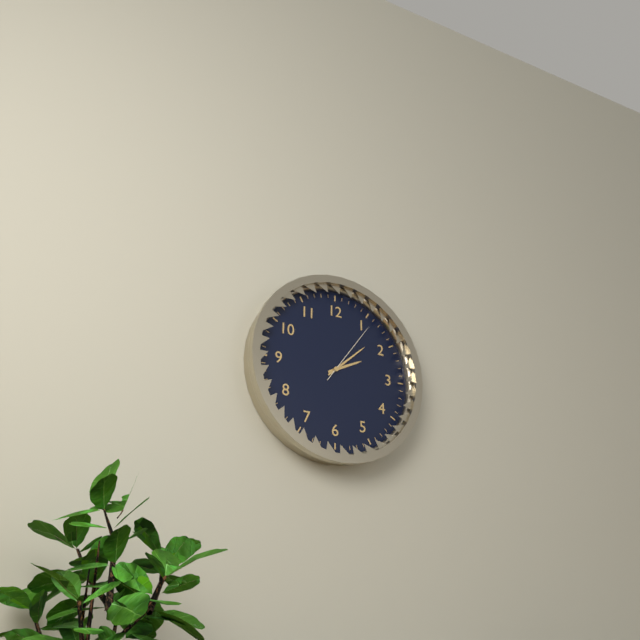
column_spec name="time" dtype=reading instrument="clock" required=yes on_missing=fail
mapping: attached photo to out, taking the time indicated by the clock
2:08:06
